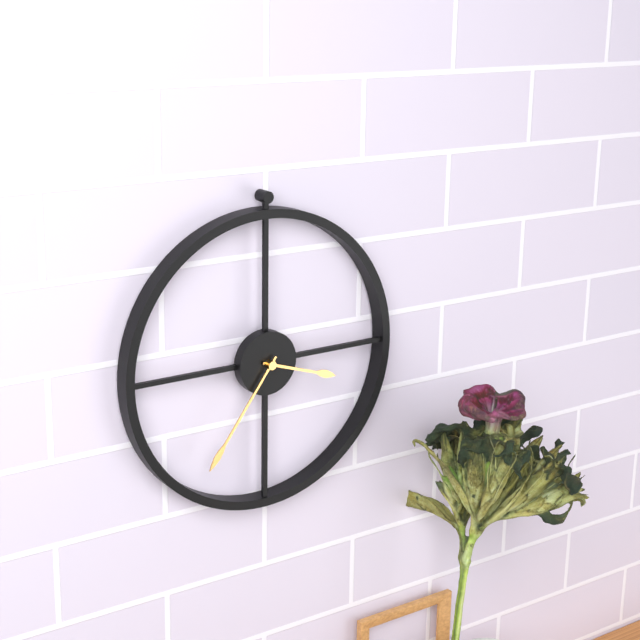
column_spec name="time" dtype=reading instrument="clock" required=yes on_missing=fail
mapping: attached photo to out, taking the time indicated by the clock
3:36
